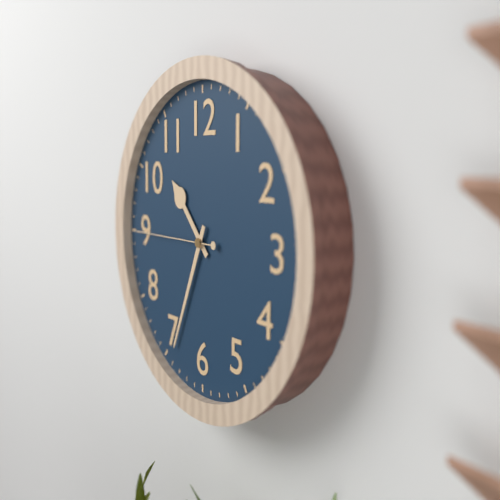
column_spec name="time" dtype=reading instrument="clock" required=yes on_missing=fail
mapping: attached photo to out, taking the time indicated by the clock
10:34:45
